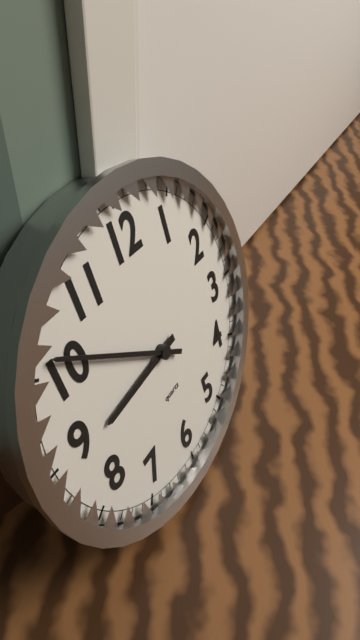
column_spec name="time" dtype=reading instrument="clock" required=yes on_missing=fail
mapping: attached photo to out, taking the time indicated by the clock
8:51
